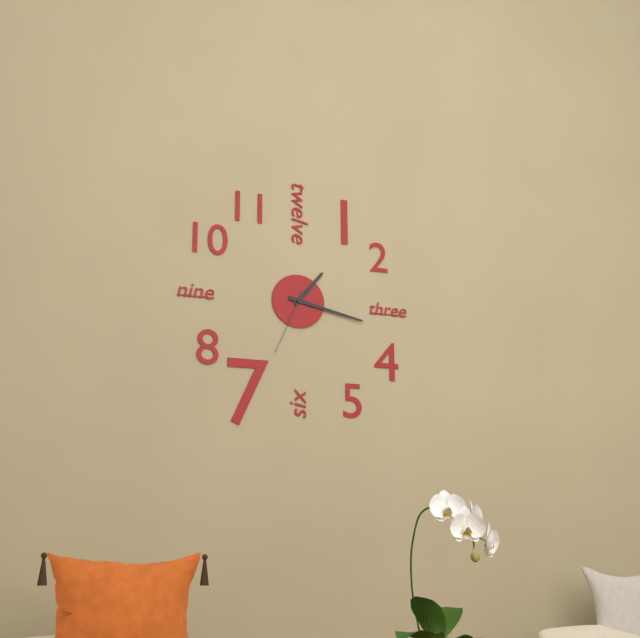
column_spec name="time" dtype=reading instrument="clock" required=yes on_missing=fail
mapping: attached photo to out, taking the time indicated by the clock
1:17:34
